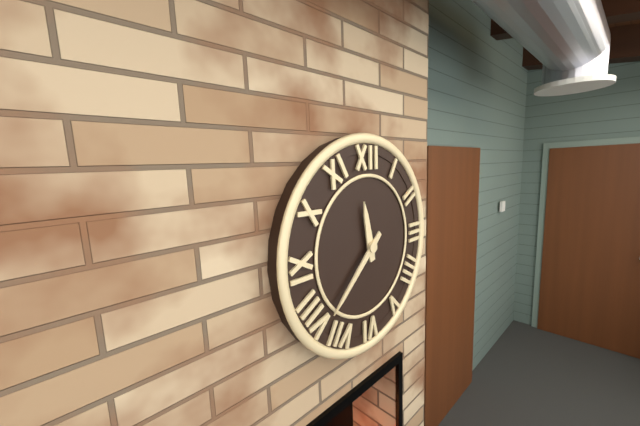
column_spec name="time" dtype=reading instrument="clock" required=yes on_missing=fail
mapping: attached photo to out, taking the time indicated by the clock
11:38
